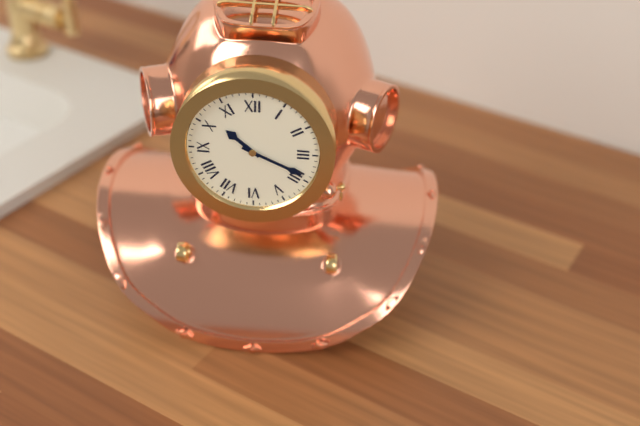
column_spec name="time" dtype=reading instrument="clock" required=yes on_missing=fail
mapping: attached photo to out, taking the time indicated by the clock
10:19
